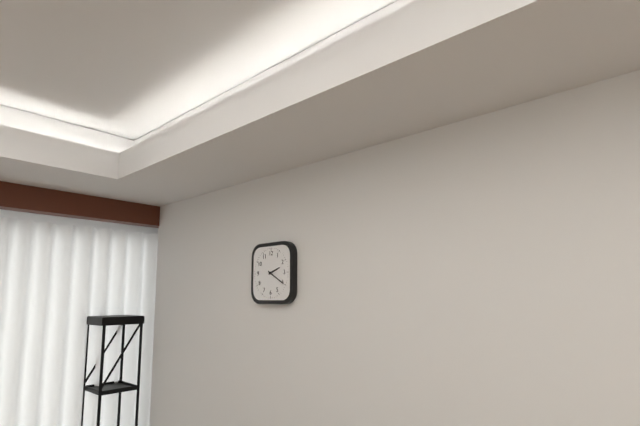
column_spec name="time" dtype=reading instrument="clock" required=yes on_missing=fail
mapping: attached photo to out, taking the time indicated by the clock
2:20
